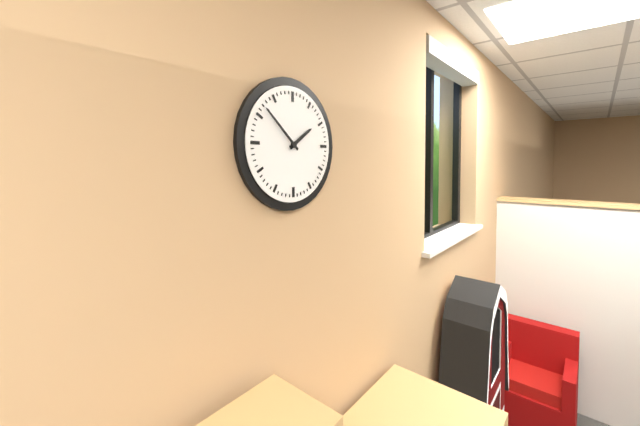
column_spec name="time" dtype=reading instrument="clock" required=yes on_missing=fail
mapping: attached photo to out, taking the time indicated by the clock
1:52
